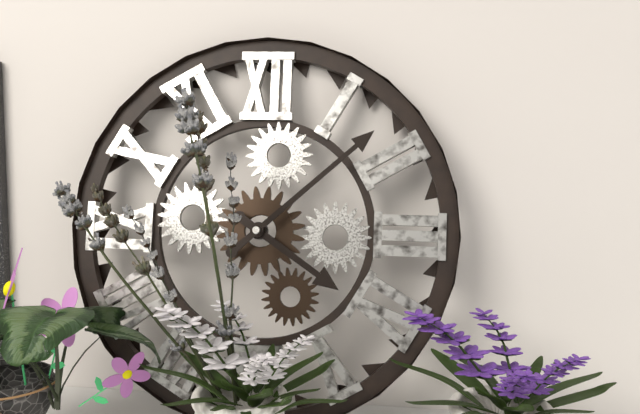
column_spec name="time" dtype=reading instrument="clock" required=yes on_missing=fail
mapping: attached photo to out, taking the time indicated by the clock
4:08
